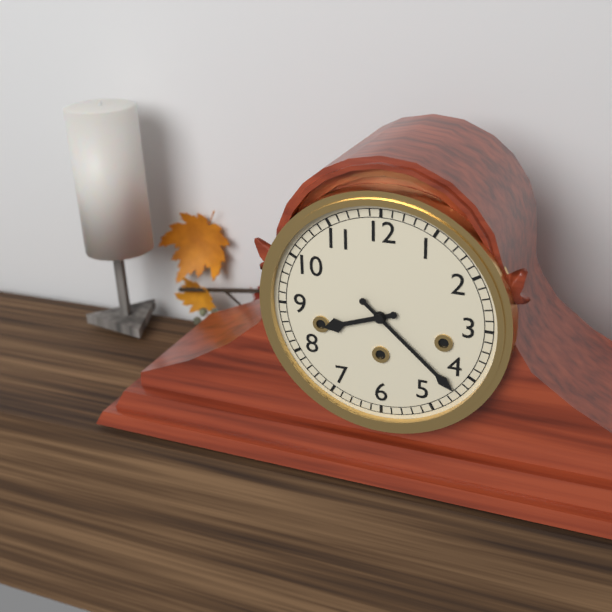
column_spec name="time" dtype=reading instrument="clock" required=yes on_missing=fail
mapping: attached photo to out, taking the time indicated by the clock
8:22
